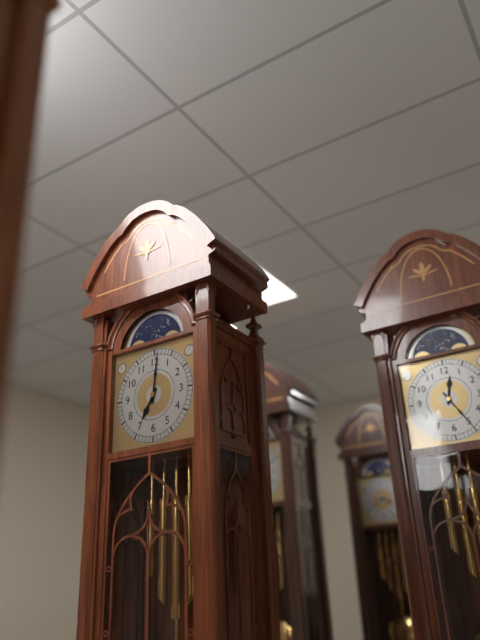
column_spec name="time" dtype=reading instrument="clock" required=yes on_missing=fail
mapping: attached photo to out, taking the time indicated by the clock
7:01
